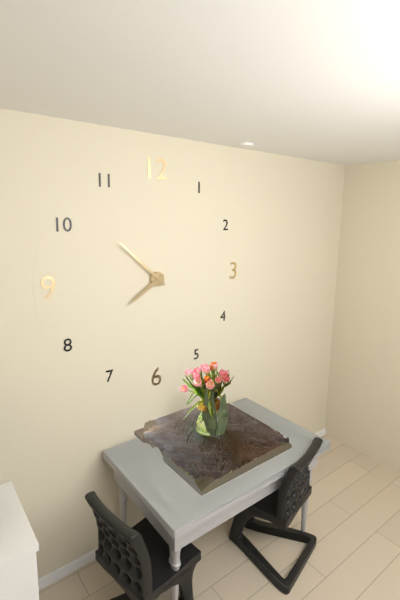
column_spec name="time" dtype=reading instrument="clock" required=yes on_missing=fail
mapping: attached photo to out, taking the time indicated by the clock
7:52
